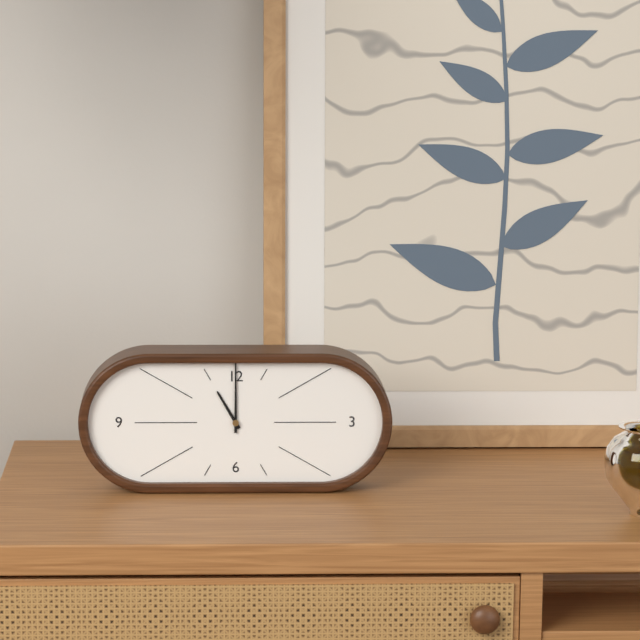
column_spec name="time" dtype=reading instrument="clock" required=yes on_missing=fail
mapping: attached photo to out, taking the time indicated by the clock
11:00
